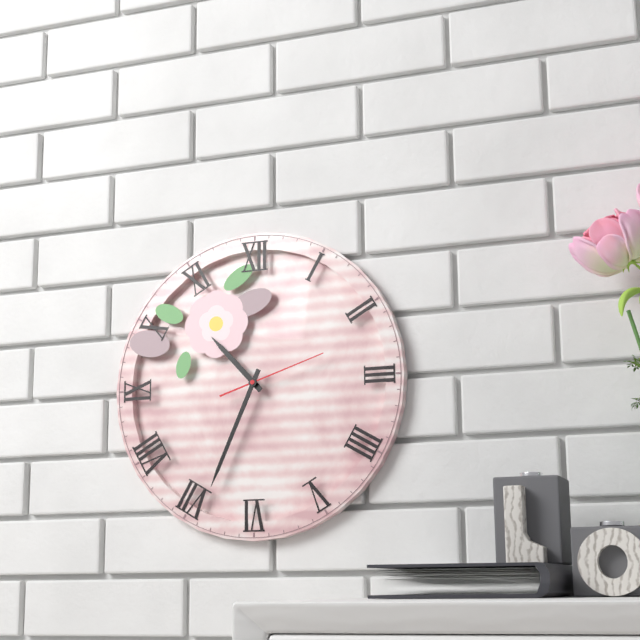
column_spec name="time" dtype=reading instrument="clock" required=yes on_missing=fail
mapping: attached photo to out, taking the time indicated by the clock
10:34:12
